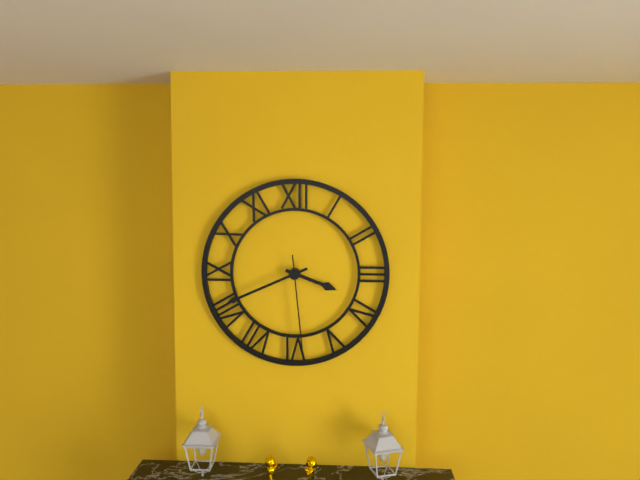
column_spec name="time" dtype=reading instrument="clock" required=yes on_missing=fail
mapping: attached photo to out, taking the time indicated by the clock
3:41:29
